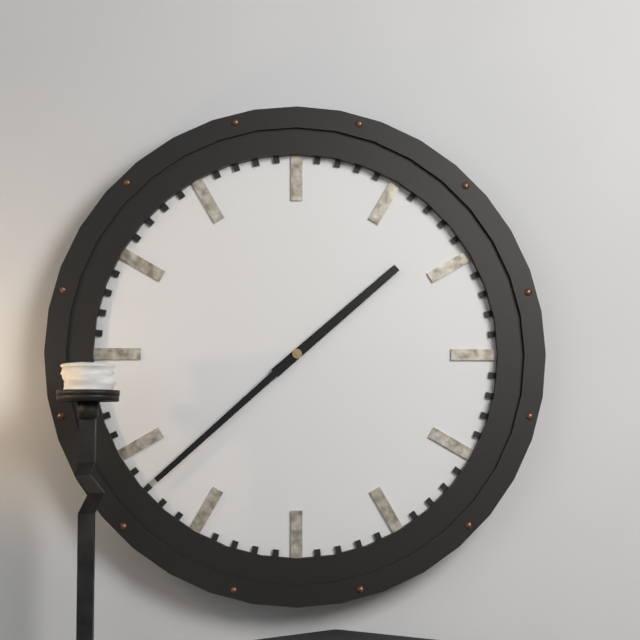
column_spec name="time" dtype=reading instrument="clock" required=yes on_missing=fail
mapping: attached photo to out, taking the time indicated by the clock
1:38
